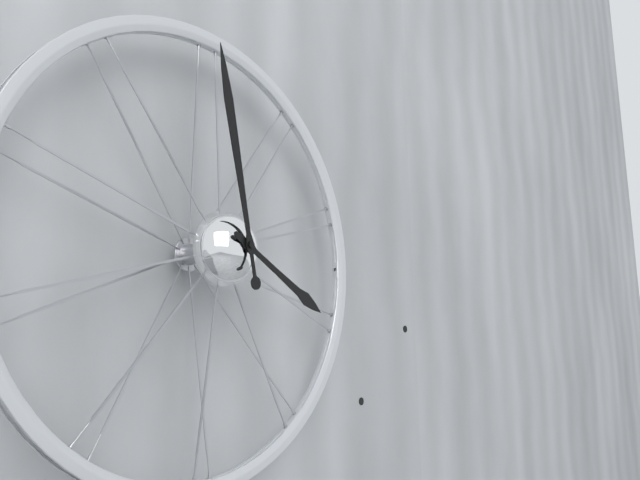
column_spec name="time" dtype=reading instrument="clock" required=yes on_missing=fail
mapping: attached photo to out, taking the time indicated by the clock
3:58
